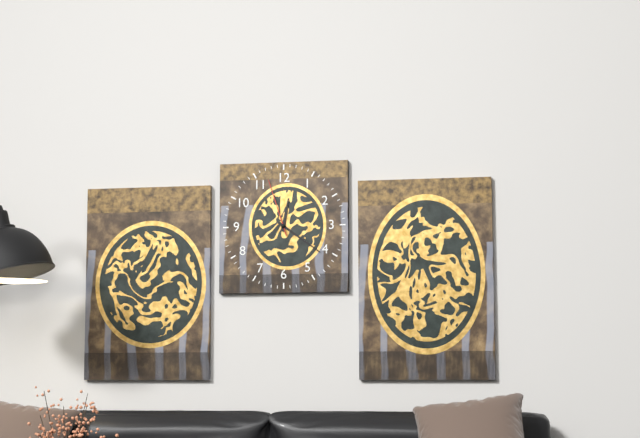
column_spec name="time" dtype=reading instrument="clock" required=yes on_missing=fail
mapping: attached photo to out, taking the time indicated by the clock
12:21:57
